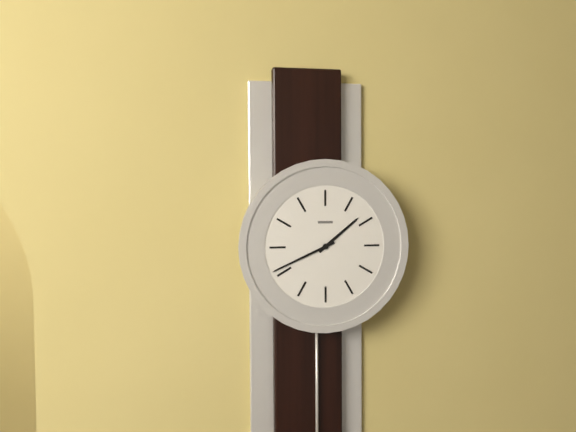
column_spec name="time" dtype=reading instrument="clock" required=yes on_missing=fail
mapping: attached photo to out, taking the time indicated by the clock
1:41
